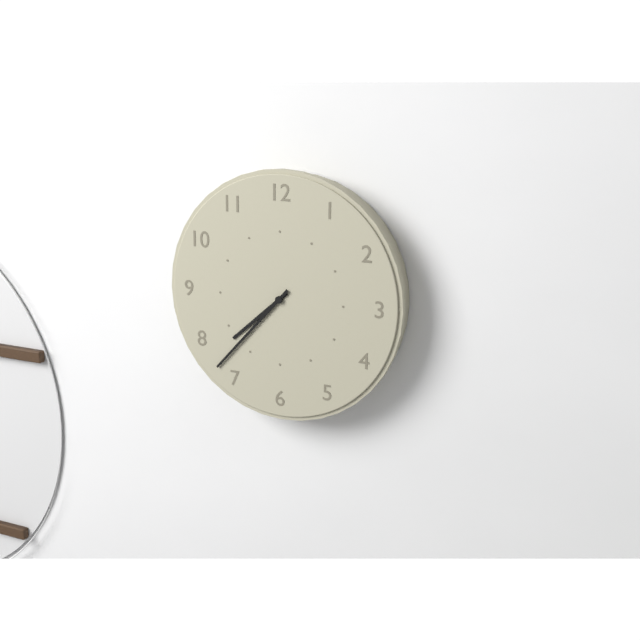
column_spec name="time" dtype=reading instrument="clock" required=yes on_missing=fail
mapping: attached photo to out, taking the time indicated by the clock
7:37
